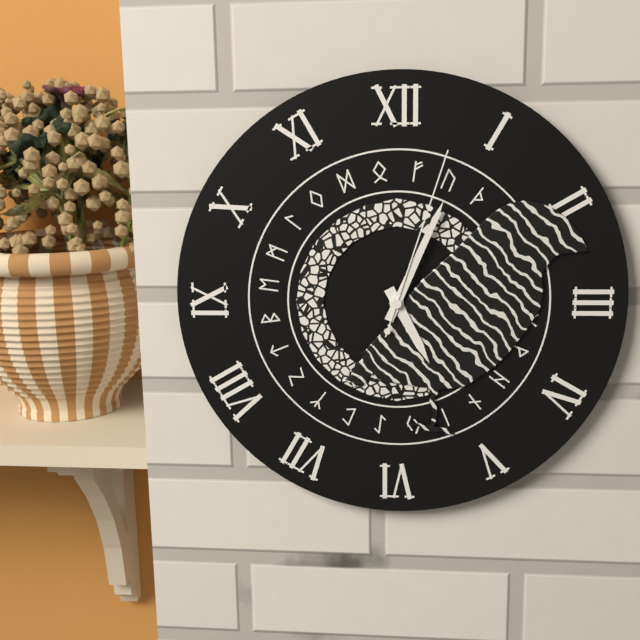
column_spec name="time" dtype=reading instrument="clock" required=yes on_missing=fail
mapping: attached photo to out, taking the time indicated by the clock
5:04:03
